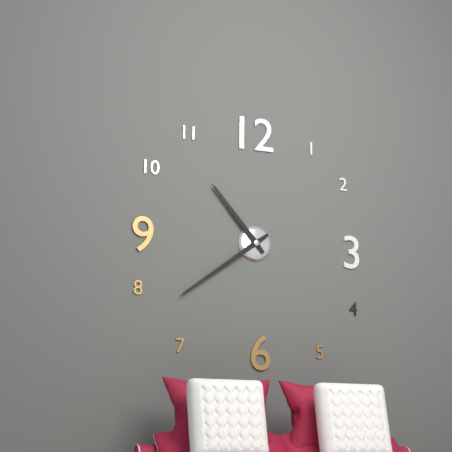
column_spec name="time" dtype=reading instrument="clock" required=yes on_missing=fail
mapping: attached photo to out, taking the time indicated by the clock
10:39
